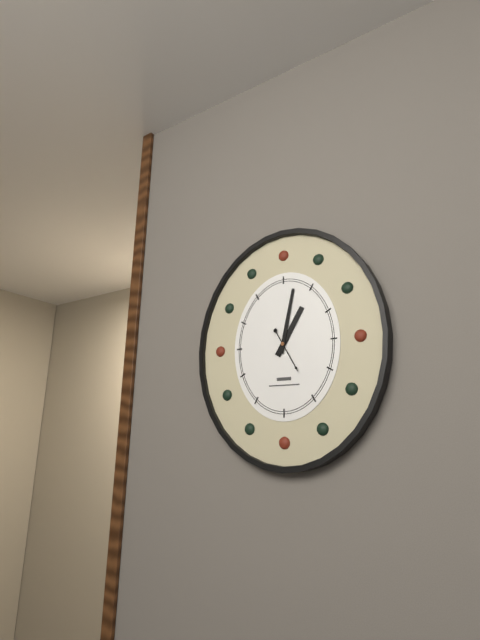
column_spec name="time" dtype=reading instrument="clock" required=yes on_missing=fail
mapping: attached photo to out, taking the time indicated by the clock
1:02
